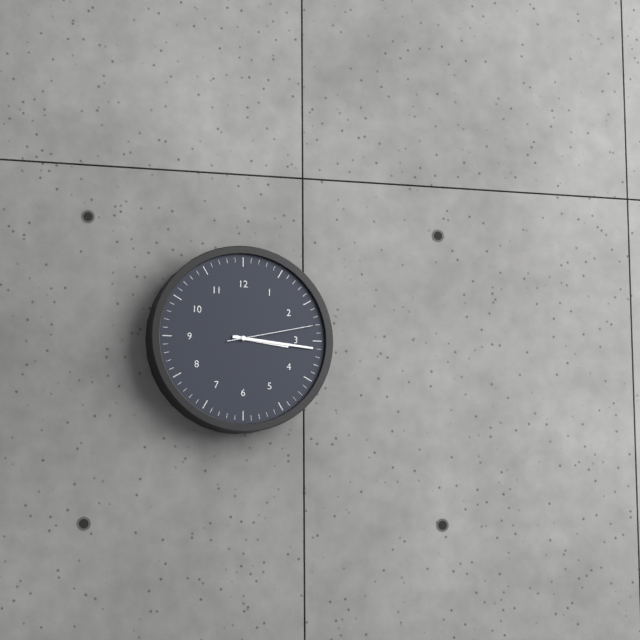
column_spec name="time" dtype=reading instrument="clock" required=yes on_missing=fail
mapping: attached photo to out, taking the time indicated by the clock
3:16:13
